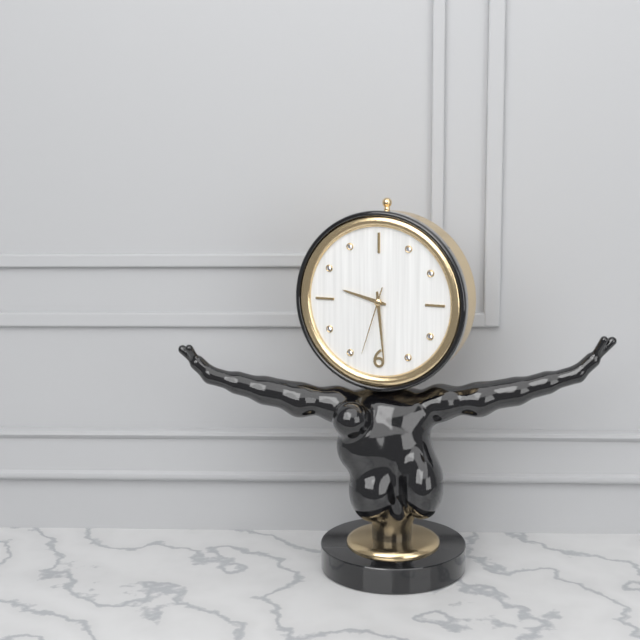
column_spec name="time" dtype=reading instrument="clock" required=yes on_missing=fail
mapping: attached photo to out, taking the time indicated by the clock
9:29:33
